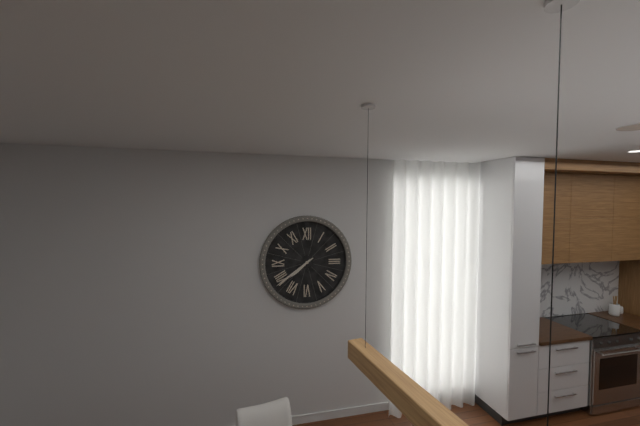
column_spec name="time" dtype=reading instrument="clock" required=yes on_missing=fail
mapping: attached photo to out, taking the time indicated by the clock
7:39
